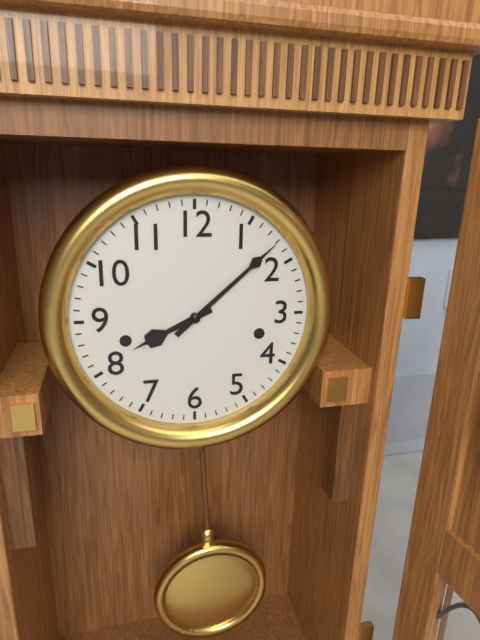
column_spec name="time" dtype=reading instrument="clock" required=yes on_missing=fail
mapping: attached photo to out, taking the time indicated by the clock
8:08
